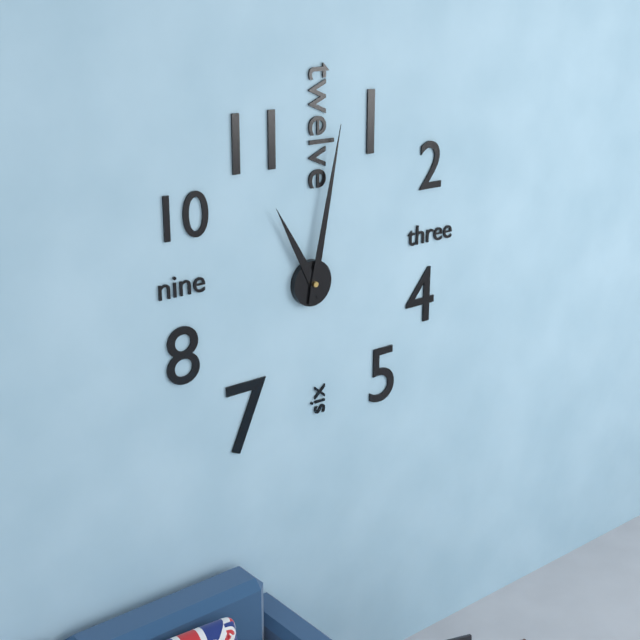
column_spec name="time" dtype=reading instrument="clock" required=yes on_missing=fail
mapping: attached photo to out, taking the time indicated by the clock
11:02
